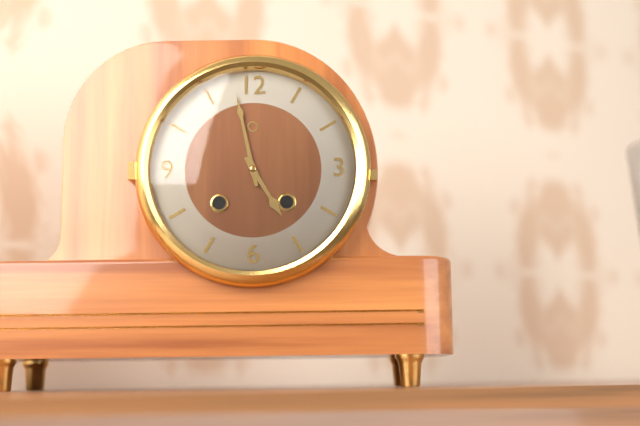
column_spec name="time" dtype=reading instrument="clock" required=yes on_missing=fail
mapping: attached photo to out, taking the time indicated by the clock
4:58
